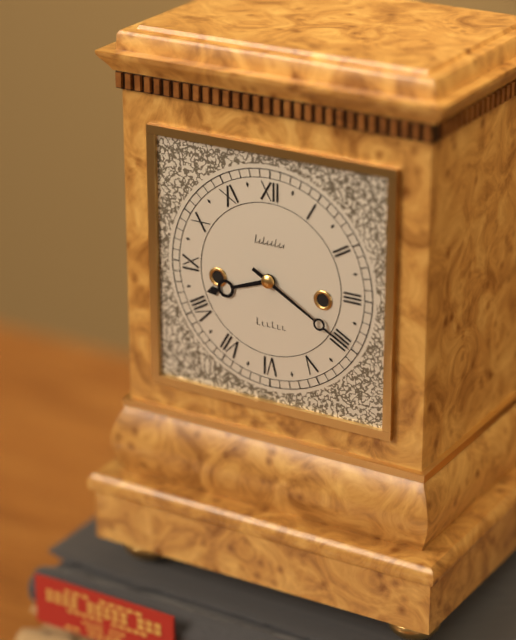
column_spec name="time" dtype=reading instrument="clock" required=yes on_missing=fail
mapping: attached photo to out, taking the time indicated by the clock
8:20
